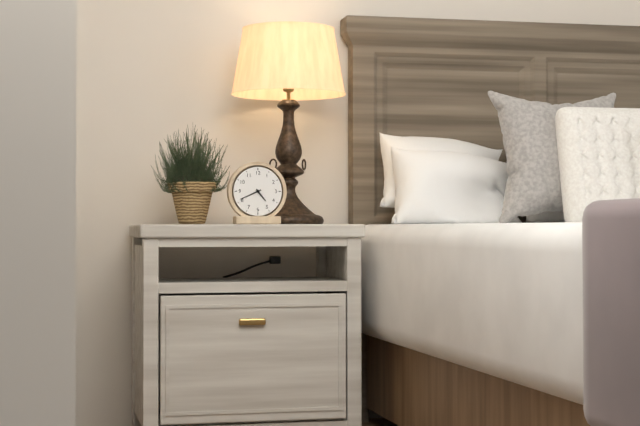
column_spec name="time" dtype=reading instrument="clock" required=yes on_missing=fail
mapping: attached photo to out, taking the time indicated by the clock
4:41
